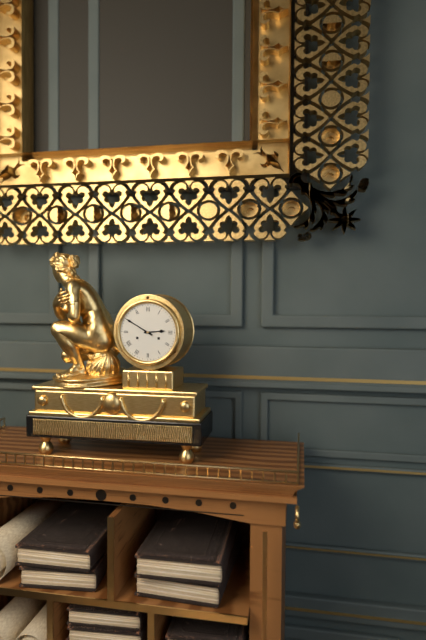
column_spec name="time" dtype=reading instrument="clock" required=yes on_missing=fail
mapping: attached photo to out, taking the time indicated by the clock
2:50
